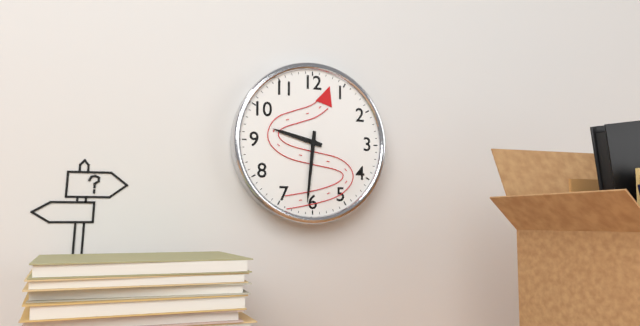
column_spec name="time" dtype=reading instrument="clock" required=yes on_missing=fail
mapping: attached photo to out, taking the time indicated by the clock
9:31
